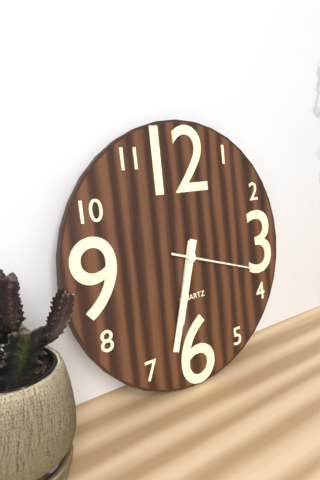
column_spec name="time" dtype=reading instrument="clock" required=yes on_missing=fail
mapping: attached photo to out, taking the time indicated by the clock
6:33:18
